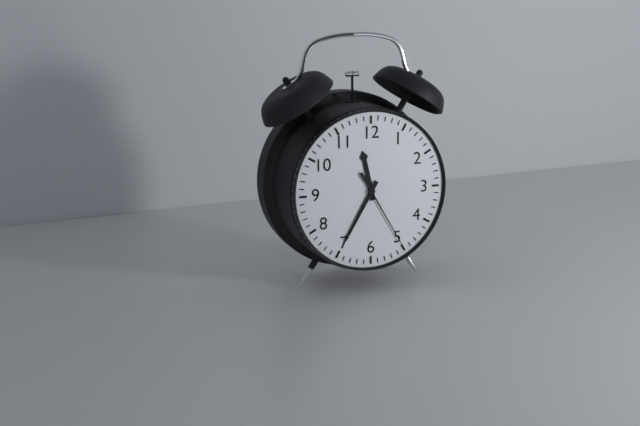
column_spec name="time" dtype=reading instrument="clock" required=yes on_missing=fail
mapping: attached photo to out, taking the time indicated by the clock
11:35:25
